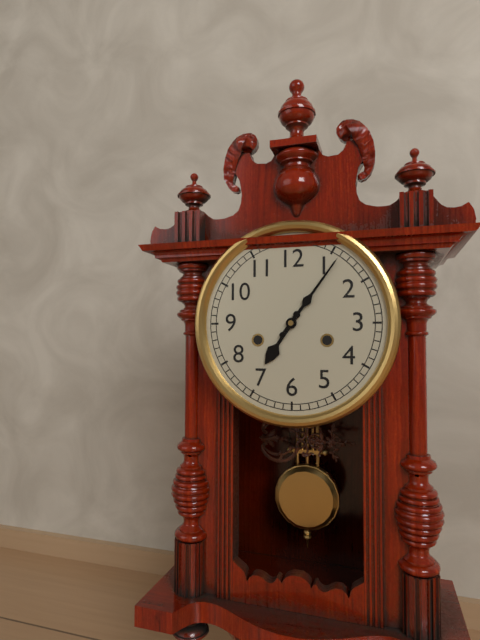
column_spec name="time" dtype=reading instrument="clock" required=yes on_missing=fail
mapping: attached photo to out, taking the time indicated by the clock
7:06
